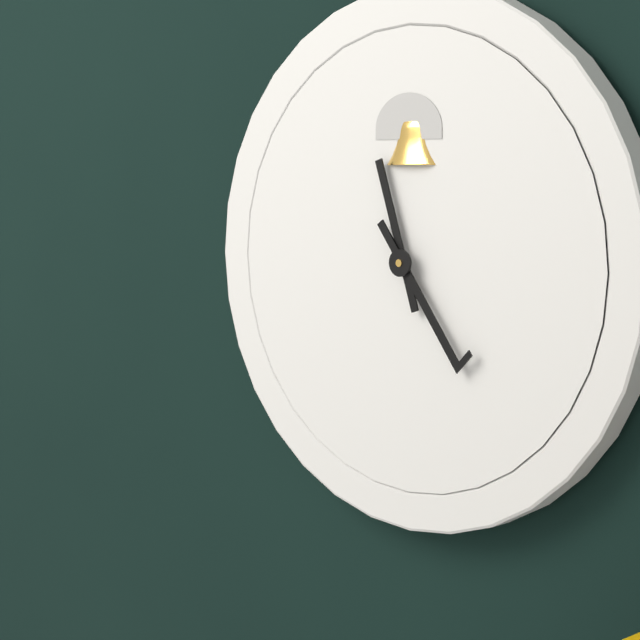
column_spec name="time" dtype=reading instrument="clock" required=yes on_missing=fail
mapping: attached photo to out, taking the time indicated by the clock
11:24
